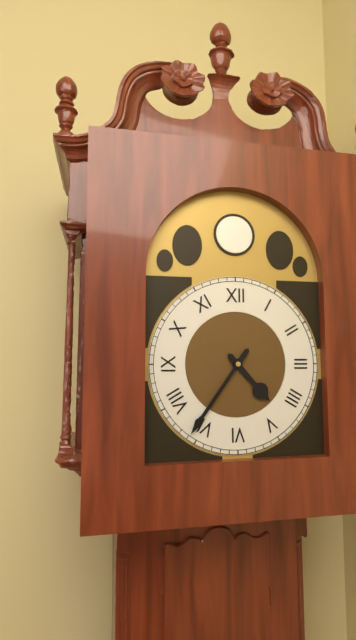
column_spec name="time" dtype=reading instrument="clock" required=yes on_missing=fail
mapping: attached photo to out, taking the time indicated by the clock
4:36
